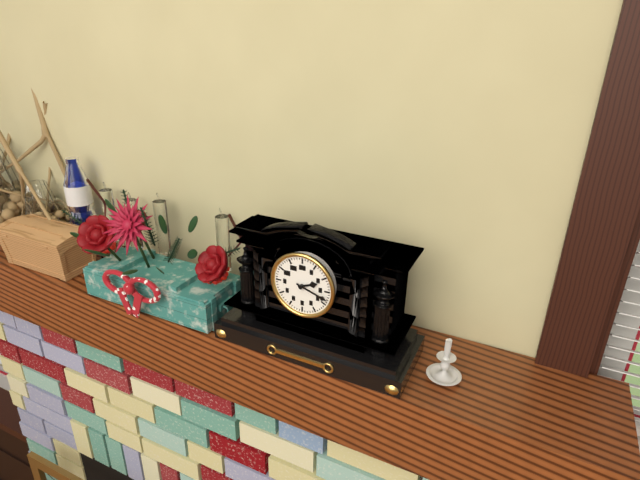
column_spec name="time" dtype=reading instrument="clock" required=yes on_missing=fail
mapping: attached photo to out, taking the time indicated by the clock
2:18
